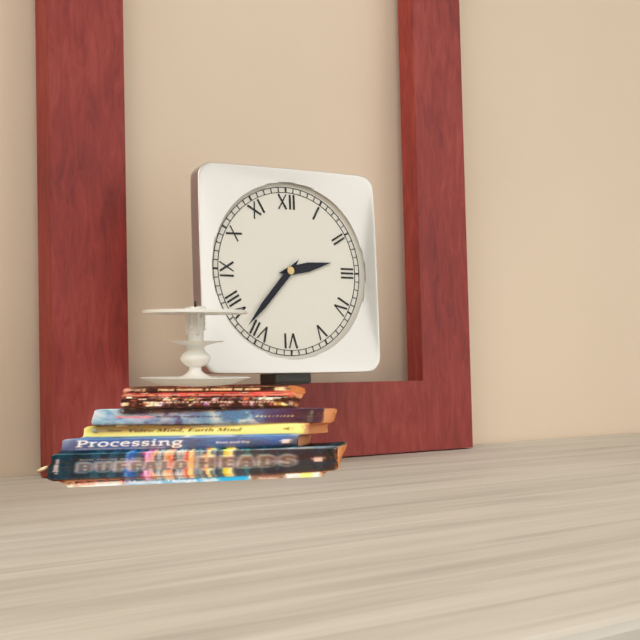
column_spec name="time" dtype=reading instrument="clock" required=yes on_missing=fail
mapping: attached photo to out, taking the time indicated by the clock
2:37
